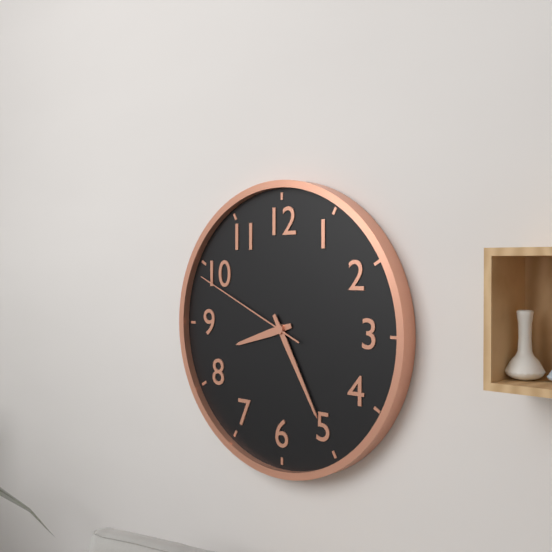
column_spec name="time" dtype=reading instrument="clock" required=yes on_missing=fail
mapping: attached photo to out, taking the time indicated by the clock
8:25:49
